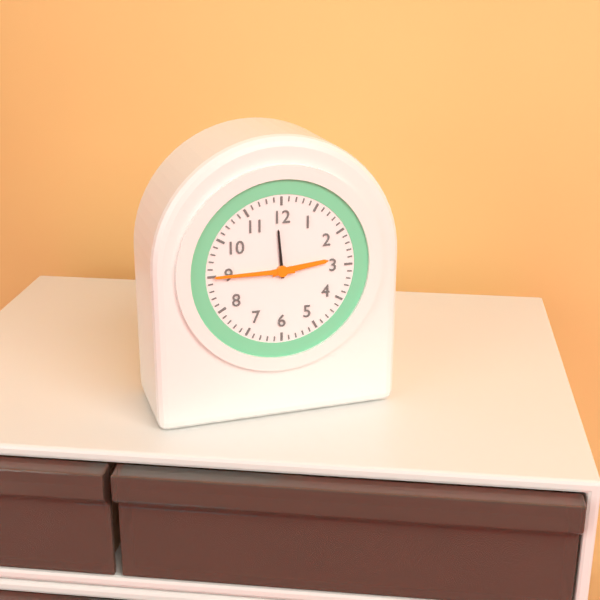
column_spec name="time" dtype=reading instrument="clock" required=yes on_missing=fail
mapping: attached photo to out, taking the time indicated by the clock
2:45
